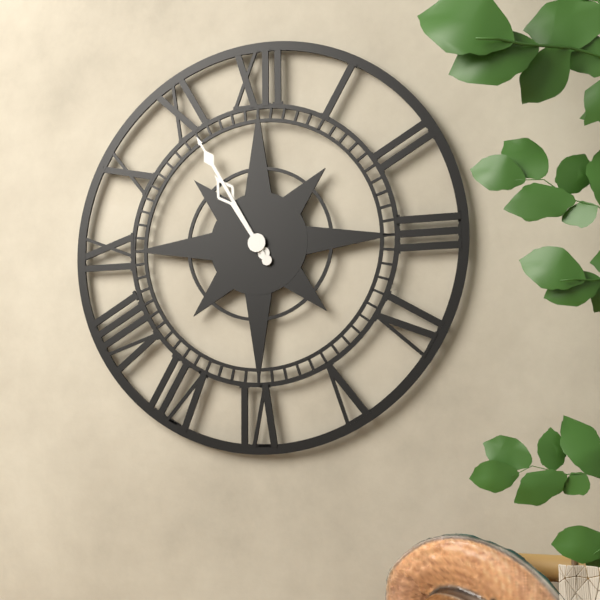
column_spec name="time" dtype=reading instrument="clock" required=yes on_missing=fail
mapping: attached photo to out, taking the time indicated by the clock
10:55
